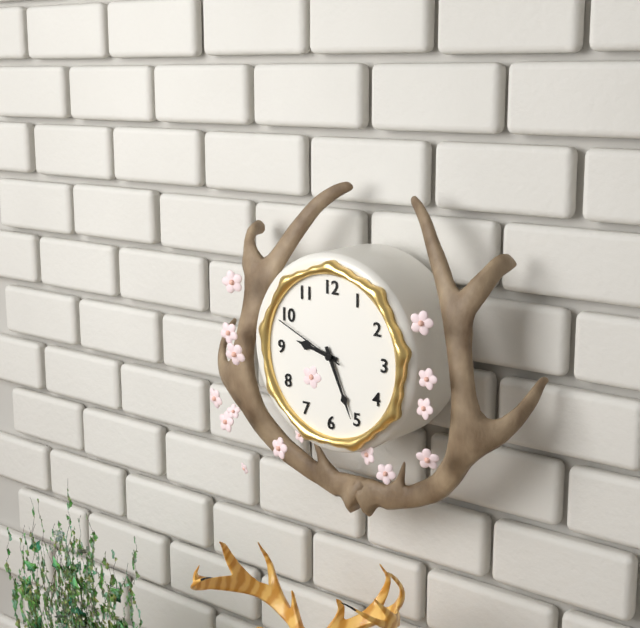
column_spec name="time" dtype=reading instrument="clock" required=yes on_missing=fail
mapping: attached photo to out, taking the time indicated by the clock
9:26:49
